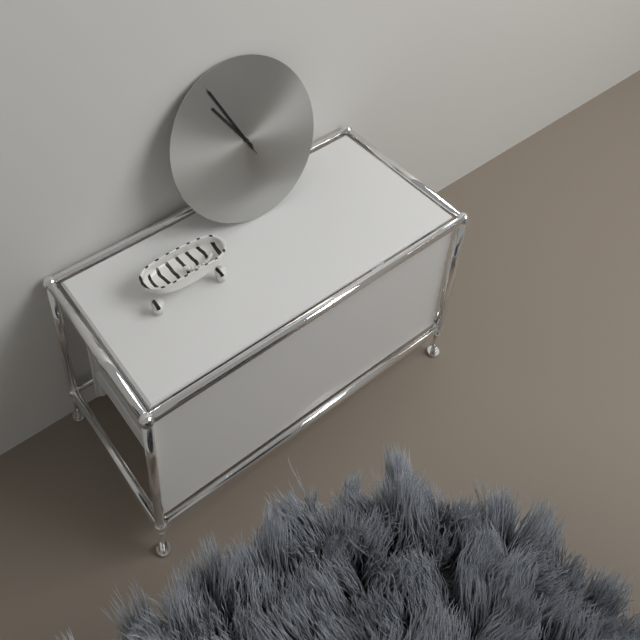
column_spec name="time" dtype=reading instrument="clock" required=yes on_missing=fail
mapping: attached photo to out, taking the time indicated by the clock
10:56:56
